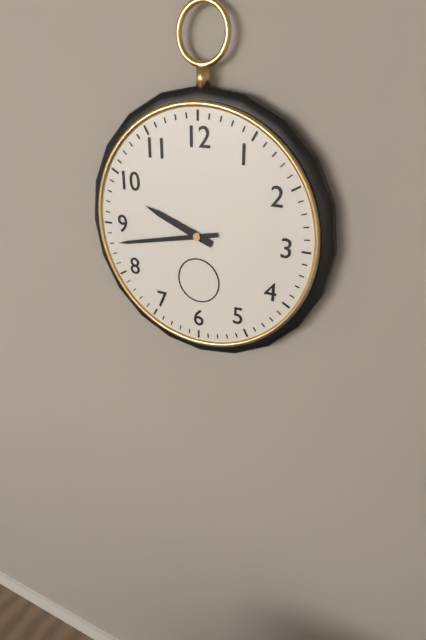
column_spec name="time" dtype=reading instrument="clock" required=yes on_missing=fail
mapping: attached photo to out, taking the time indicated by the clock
9:43
